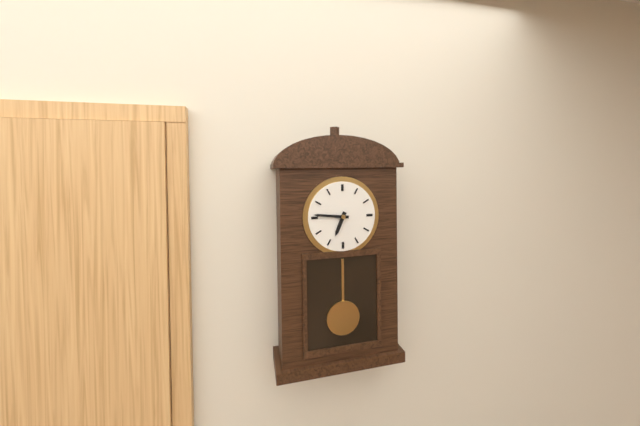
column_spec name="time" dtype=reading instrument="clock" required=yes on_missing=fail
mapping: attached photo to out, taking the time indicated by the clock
6:46
